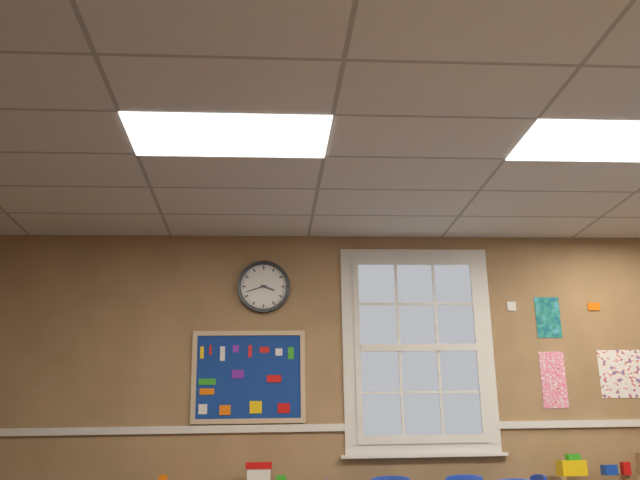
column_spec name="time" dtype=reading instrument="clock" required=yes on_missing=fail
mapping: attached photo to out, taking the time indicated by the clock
3:42
